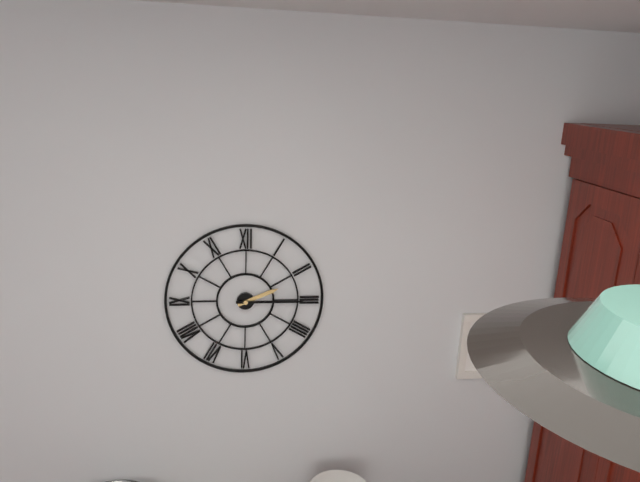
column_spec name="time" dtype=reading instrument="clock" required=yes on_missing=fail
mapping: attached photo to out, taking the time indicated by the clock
2:15
